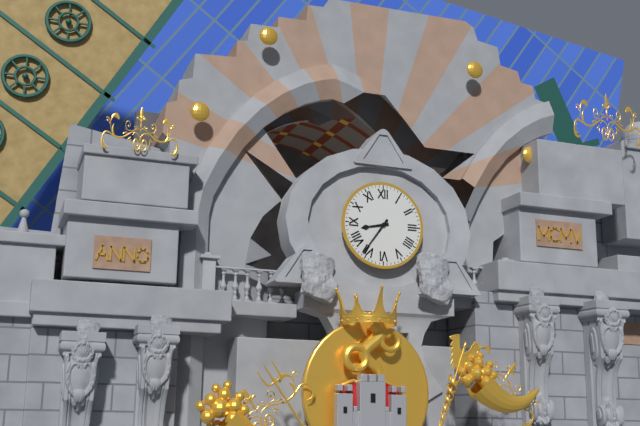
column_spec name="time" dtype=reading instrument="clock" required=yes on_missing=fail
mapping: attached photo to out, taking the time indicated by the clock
8:36
